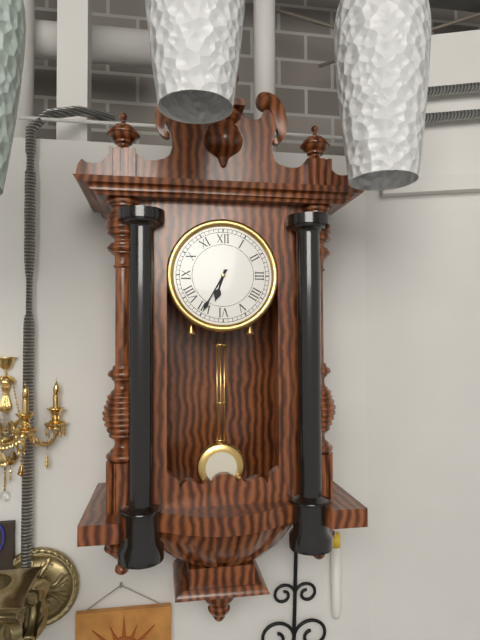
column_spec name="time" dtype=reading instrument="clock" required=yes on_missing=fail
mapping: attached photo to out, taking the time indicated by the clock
6:35
